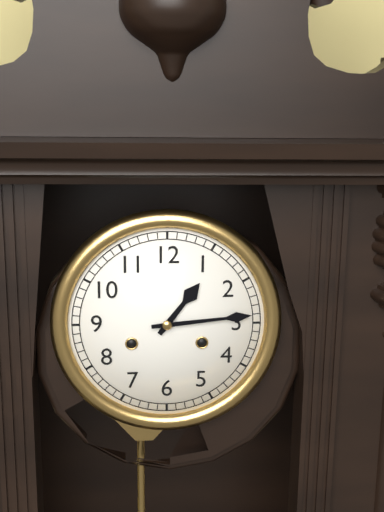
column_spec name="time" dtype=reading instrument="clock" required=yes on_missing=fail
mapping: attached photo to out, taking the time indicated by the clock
1:14
